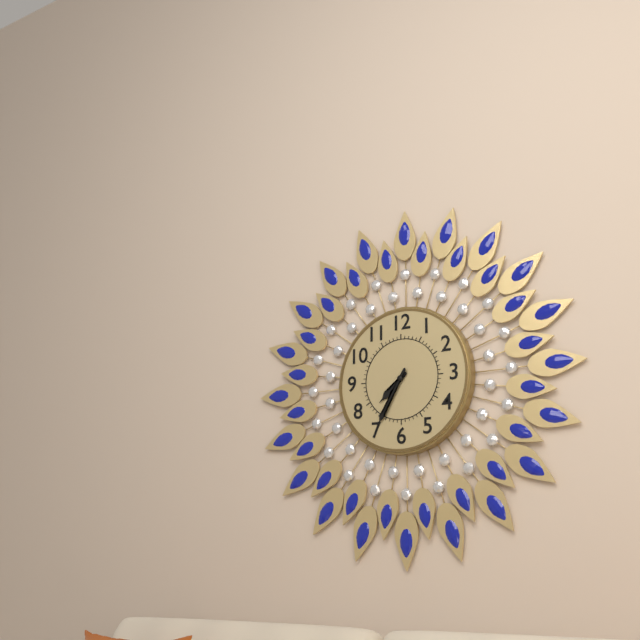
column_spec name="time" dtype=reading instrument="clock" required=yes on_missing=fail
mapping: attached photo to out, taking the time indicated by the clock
7:35
